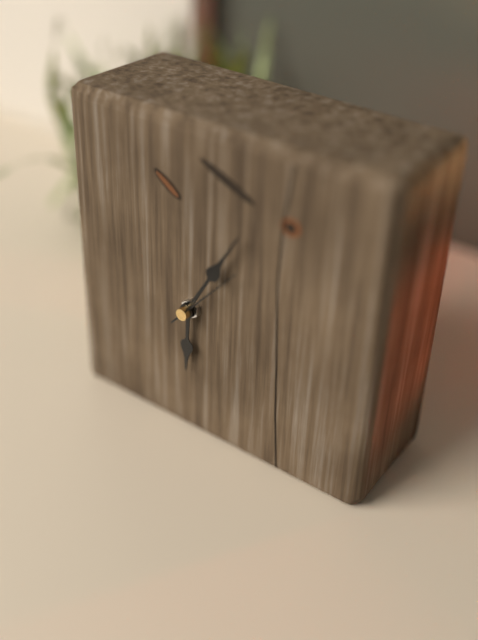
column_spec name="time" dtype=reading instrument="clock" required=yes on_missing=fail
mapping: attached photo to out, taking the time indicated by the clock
6:05:07
